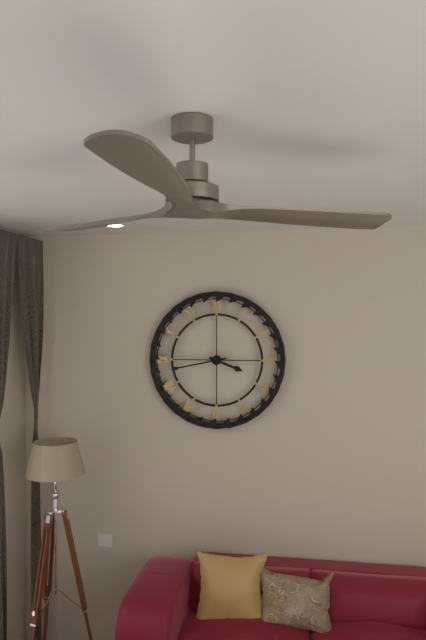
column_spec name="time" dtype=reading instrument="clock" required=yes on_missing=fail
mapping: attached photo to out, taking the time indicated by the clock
3:43
